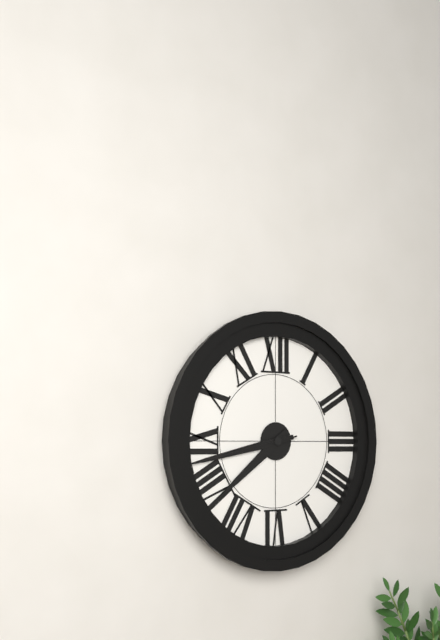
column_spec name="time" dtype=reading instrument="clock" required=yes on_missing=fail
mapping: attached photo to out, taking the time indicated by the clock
7:43:43
